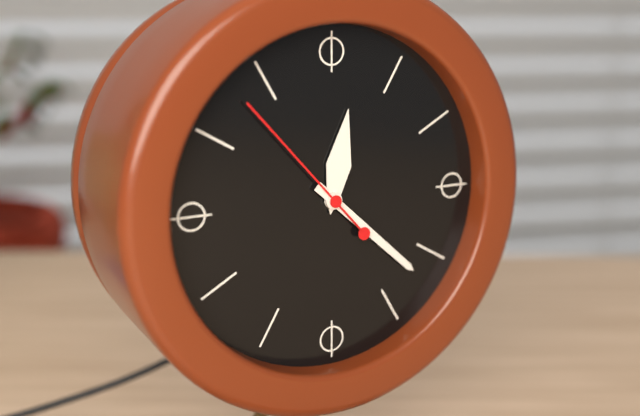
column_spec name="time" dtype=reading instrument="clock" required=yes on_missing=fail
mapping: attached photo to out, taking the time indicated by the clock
12:22:53
